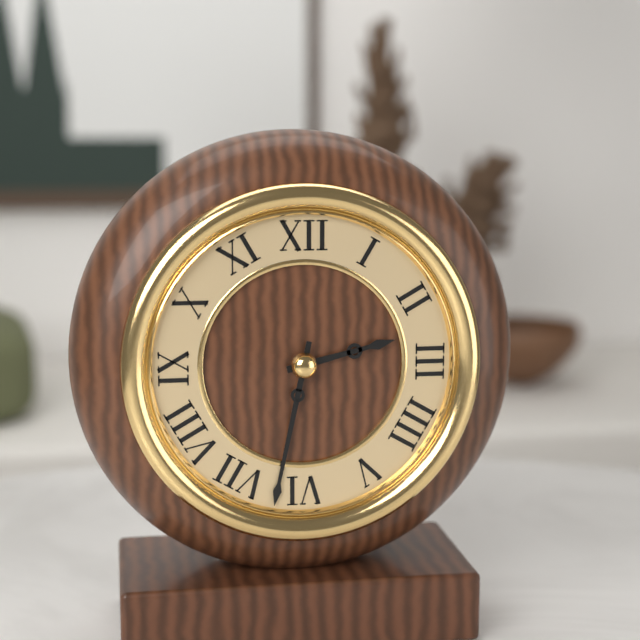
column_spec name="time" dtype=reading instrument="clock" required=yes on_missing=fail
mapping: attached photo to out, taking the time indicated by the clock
2:32
